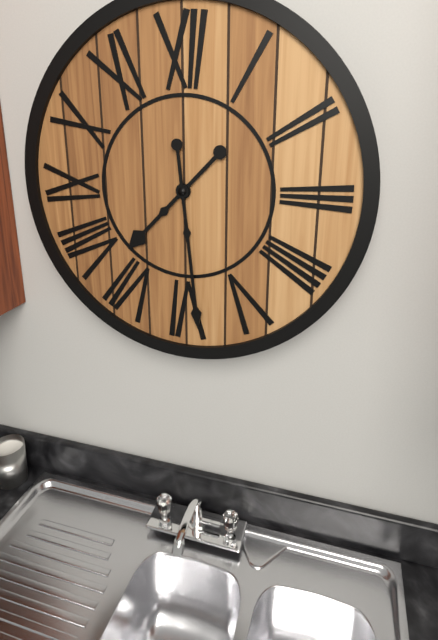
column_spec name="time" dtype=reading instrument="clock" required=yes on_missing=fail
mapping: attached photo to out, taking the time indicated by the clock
7:29
